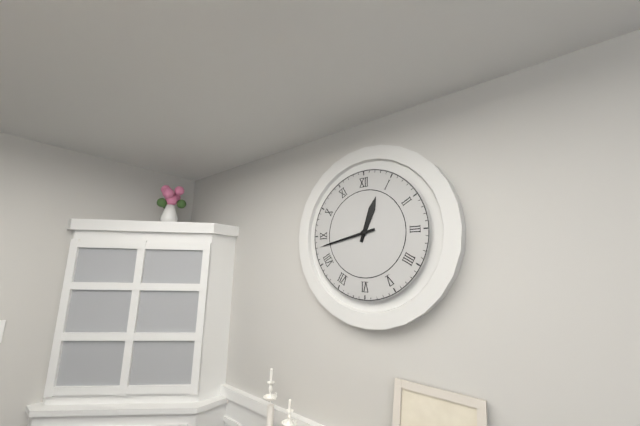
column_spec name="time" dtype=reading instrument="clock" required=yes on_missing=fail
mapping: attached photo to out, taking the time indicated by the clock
12:43
